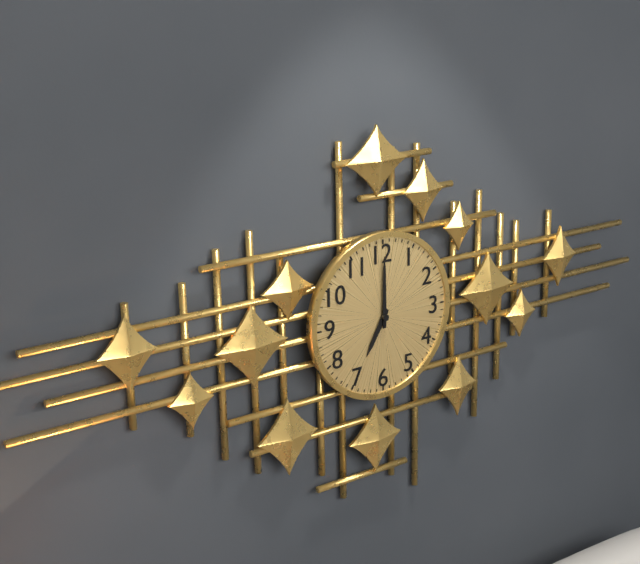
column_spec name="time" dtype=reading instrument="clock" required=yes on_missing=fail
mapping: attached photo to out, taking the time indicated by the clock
7:00
